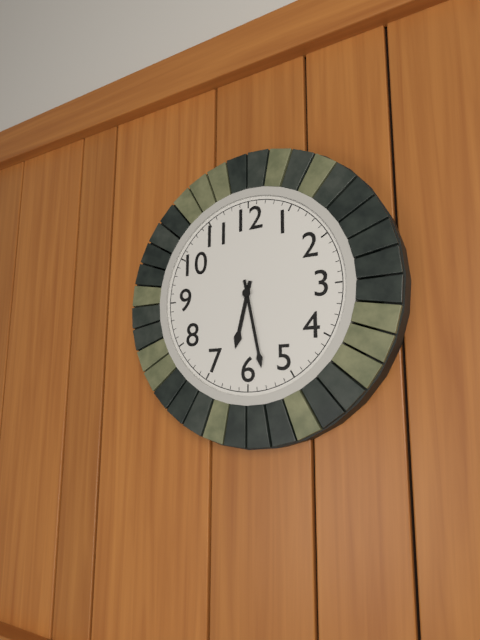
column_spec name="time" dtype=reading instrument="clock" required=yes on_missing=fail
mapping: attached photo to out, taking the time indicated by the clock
6:28
